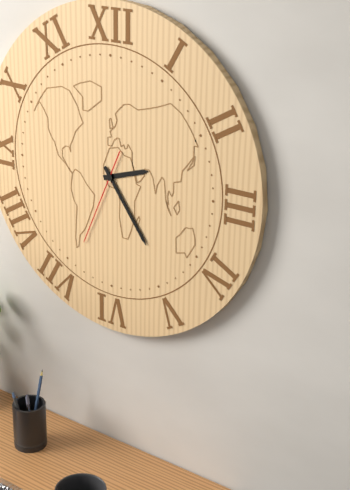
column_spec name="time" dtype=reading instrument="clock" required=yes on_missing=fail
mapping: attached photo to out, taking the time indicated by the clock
2:24:34
